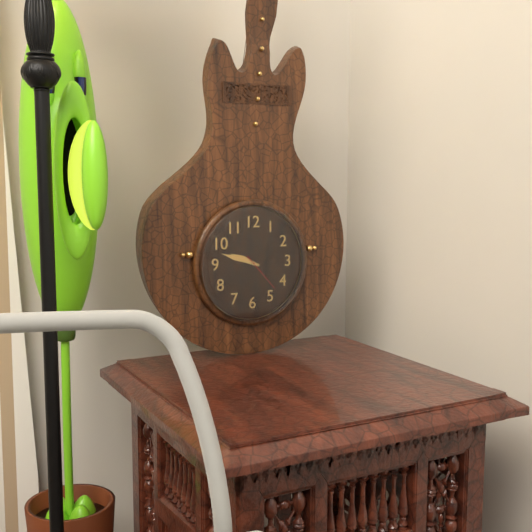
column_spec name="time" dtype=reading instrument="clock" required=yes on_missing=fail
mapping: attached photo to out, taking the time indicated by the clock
9:48
